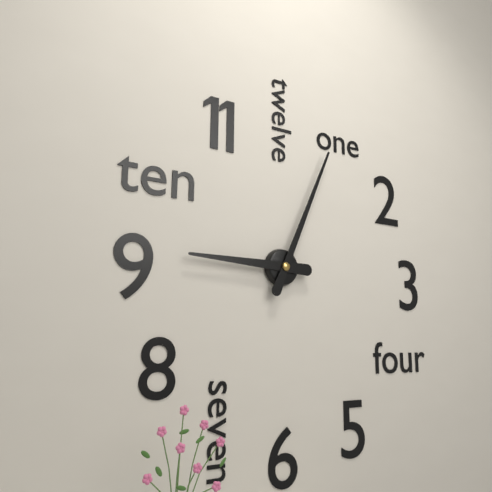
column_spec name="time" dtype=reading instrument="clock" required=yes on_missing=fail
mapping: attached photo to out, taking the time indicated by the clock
9:04
